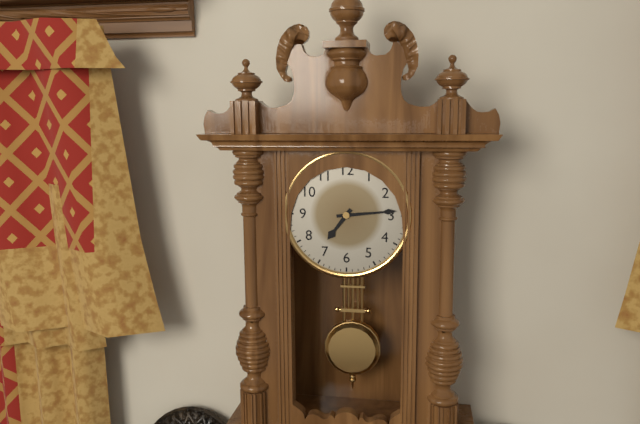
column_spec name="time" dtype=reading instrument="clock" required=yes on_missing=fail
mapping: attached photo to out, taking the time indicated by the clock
7:14
